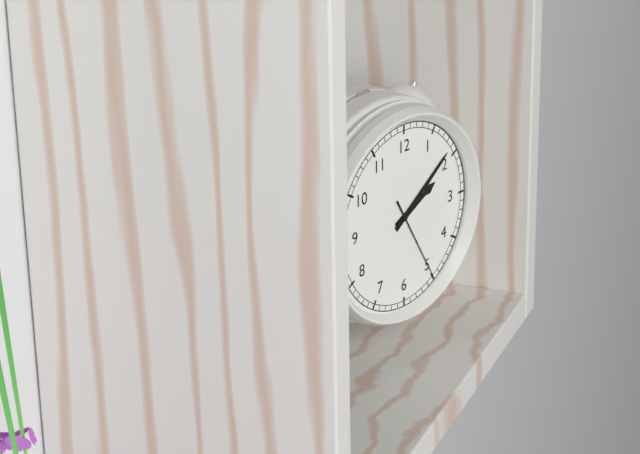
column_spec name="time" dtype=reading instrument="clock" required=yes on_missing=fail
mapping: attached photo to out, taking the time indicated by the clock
2:09:25
